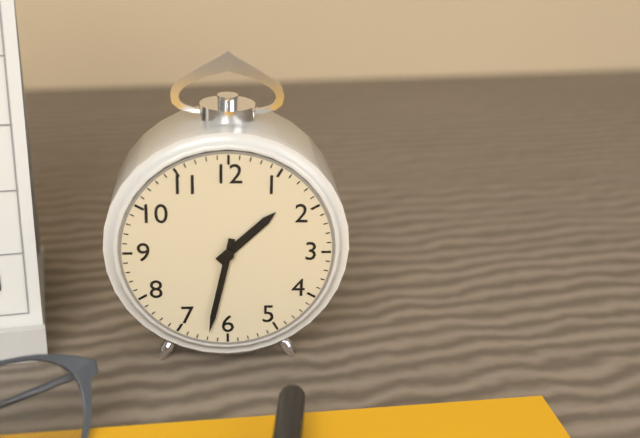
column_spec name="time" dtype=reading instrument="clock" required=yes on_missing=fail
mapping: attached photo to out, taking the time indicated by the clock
1:32
